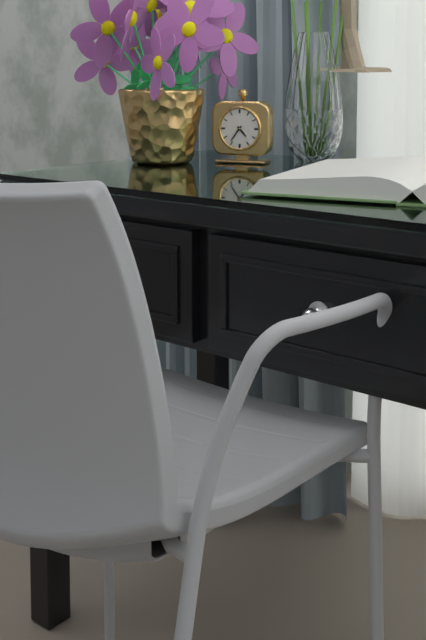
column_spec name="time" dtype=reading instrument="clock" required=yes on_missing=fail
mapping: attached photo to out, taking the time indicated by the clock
4:36
